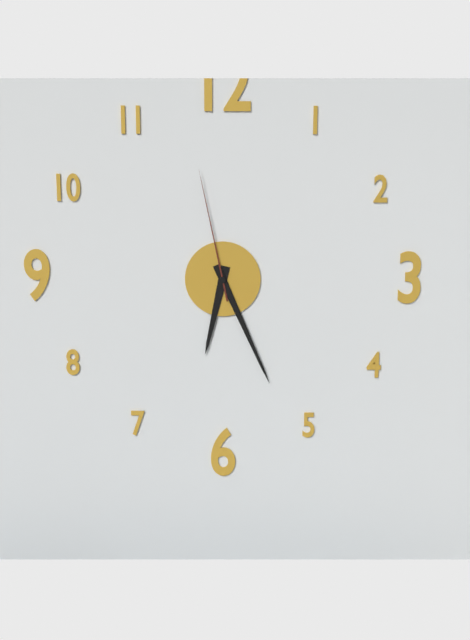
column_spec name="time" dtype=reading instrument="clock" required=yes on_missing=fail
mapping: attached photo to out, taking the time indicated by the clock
6:26:58
